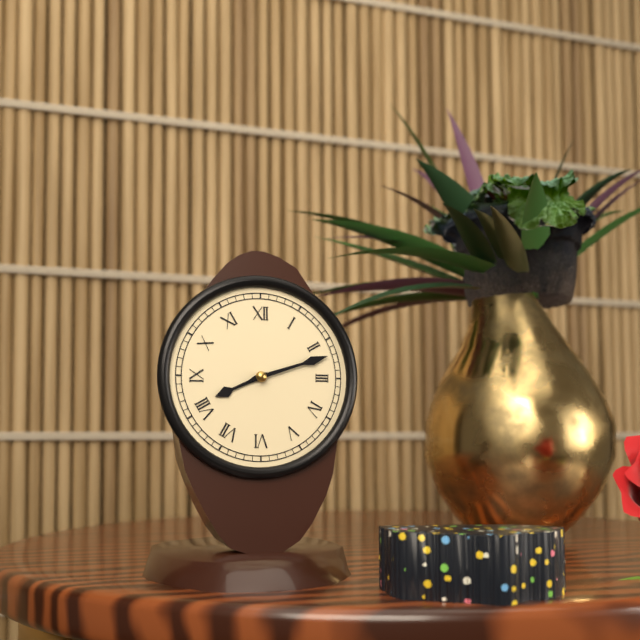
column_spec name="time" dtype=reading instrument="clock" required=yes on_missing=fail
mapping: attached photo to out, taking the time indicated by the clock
8:12
